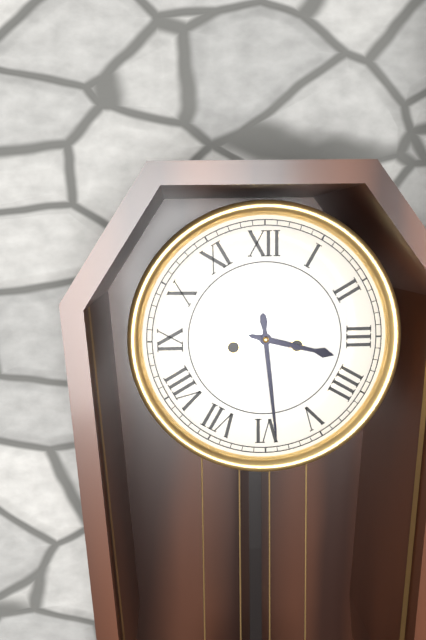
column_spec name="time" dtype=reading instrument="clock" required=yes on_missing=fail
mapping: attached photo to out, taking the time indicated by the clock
3:29
